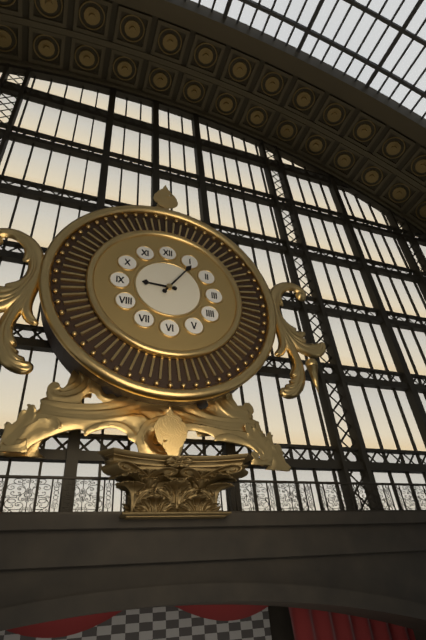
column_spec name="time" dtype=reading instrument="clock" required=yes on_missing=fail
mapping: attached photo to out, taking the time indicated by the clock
9:06
